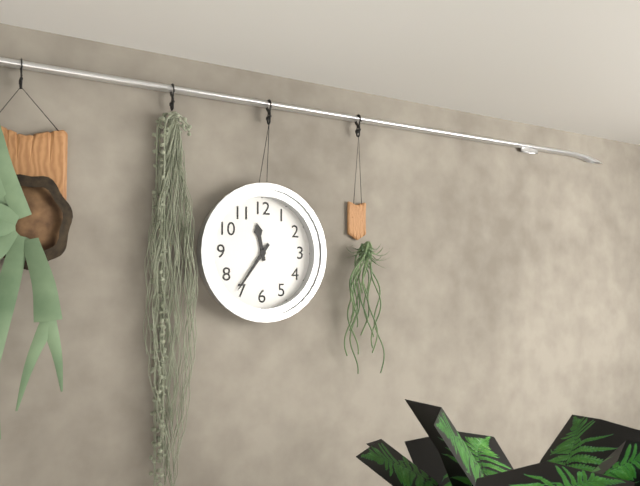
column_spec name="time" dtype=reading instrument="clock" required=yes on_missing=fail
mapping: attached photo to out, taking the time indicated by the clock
11:36
